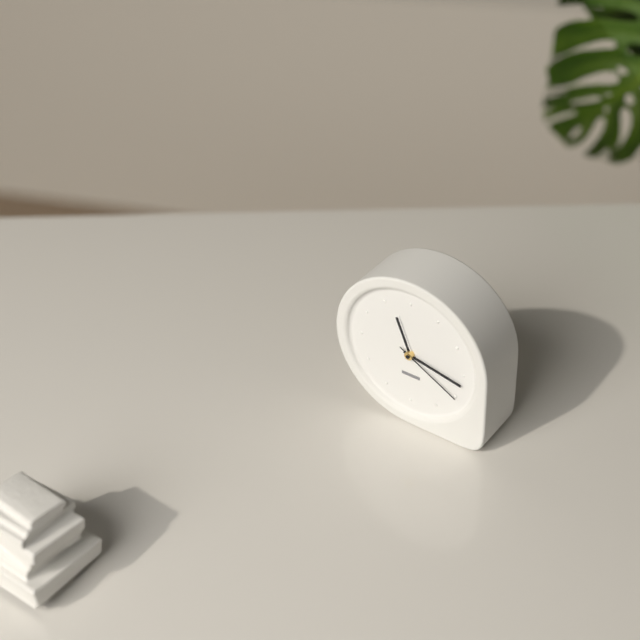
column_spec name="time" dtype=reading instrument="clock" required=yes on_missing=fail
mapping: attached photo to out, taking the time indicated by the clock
11:17:20
